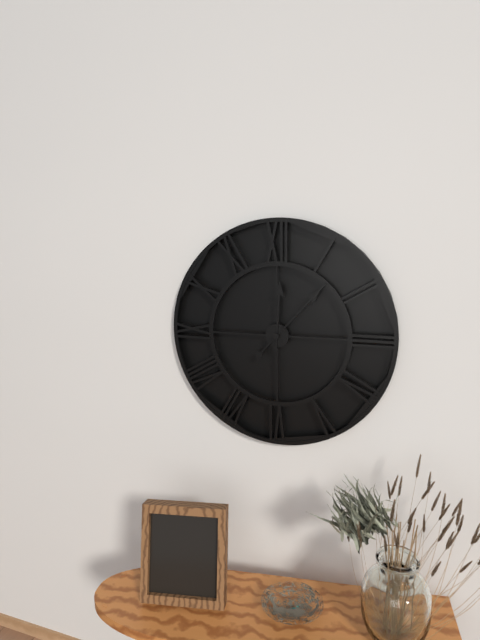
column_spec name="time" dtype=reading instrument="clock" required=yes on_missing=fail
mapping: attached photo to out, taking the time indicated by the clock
12:07
